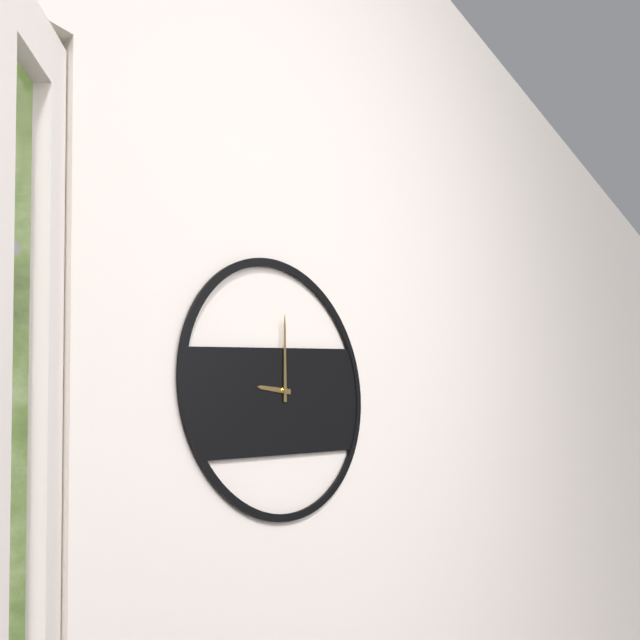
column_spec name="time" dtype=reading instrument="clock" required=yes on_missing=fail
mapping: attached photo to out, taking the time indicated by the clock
9:00
